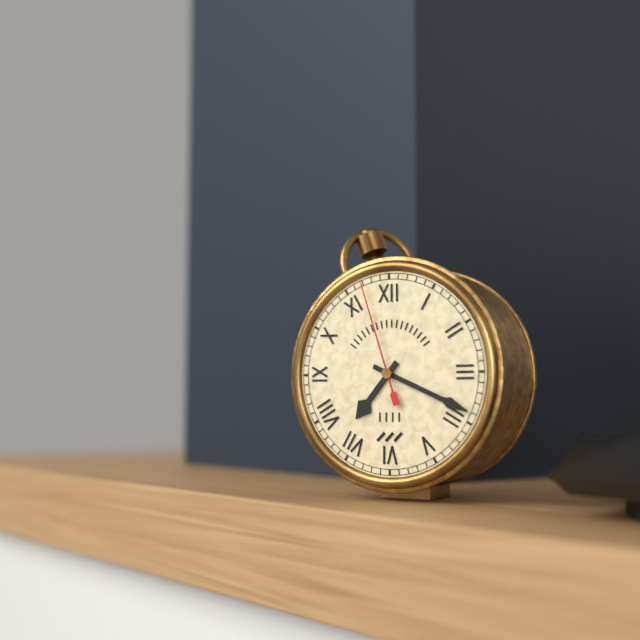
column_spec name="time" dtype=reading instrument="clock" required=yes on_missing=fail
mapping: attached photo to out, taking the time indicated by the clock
7:19:57
